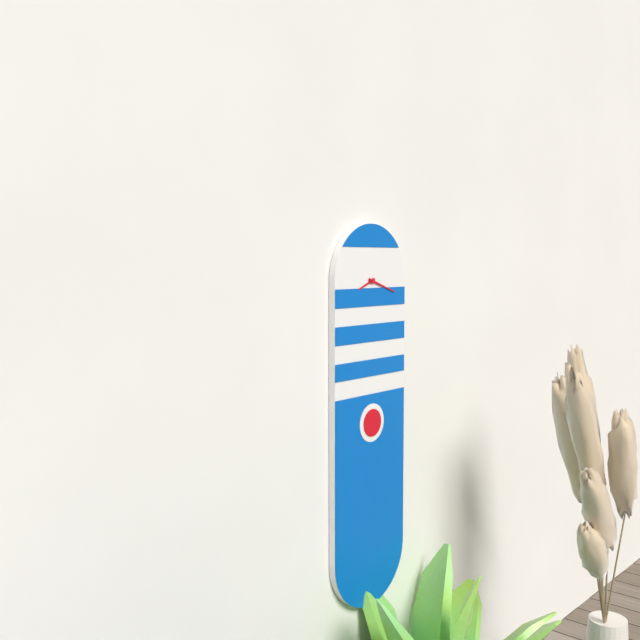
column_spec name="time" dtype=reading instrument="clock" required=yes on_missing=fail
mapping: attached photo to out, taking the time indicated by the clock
8:18
